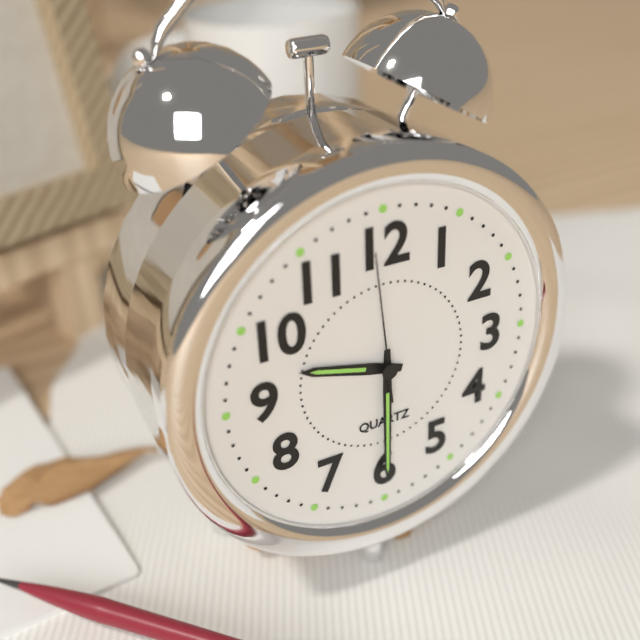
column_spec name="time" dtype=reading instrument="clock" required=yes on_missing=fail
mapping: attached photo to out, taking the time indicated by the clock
9:30:59
